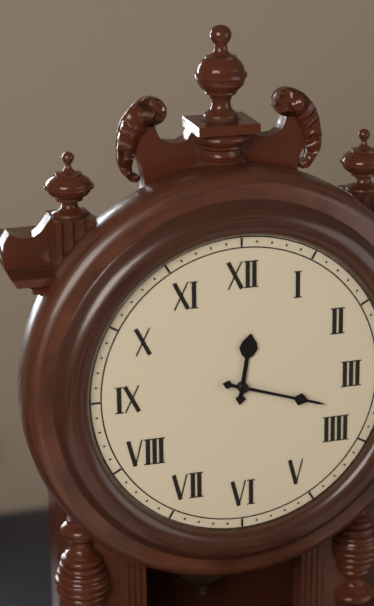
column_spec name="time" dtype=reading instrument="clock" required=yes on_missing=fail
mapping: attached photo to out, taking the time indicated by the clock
12:18
